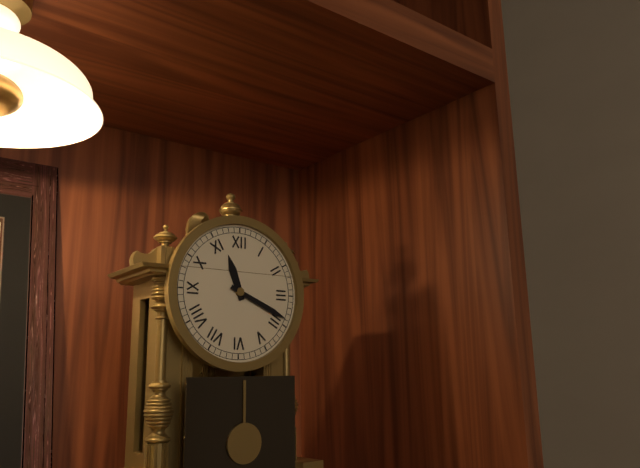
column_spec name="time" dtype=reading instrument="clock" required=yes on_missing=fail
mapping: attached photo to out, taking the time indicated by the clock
11:19
